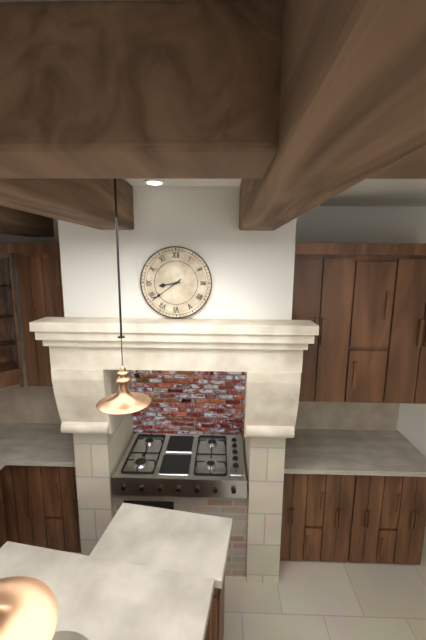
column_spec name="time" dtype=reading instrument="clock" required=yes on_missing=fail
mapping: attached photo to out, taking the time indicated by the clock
8:39
